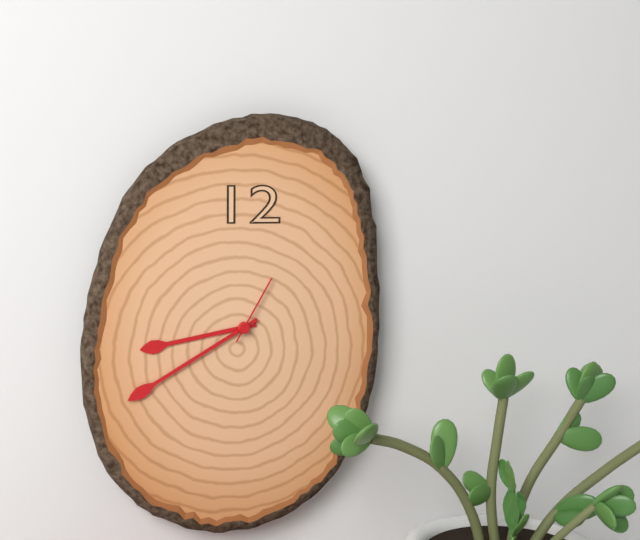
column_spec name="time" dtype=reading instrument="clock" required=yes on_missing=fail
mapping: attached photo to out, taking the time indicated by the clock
8:40:05
